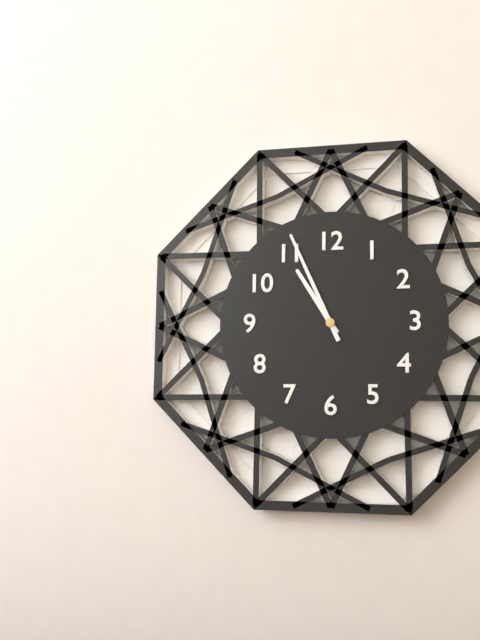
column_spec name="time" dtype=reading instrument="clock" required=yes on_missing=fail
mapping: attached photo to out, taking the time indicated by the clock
10:56
